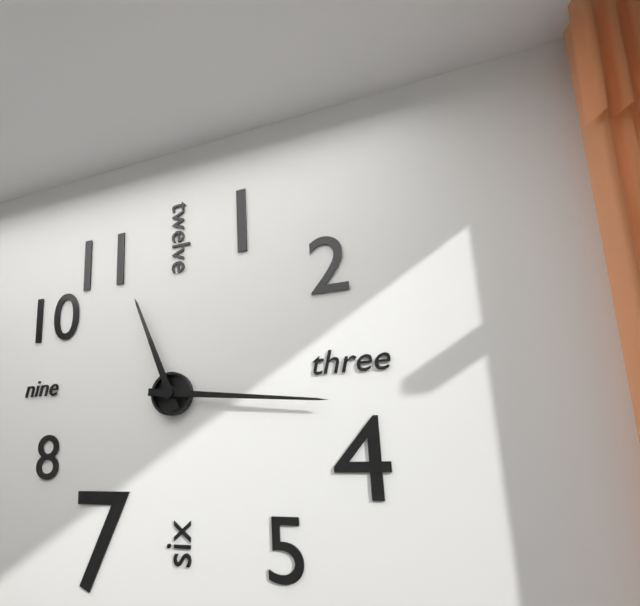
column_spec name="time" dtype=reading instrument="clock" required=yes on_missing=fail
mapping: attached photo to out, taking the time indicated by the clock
11:16
